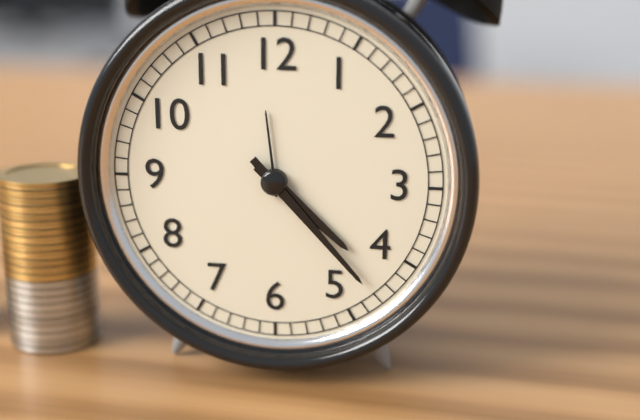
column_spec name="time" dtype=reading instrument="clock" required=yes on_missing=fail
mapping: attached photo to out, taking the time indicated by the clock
4:23
